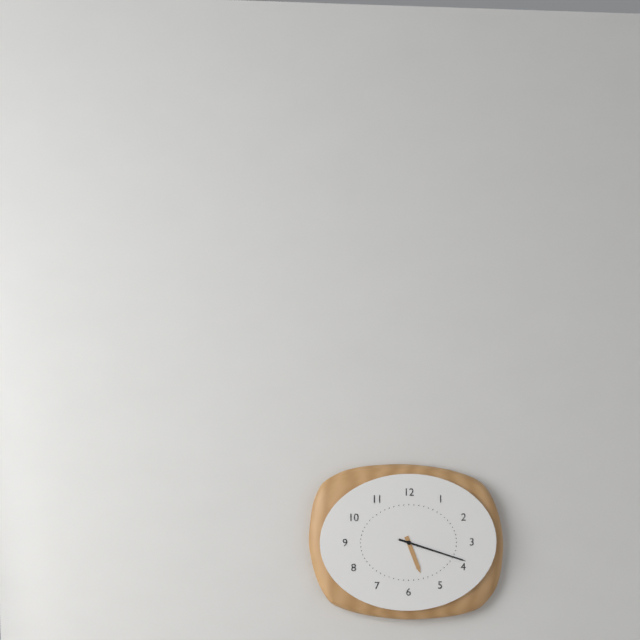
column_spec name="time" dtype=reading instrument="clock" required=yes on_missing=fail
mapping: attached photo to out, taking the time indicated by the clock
5:18
